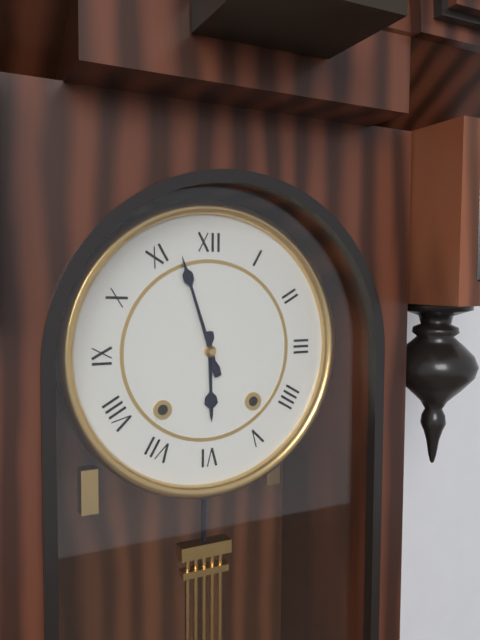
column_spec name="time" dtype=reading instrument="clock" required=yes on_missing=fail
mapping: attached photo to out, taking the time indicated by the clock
5:57
